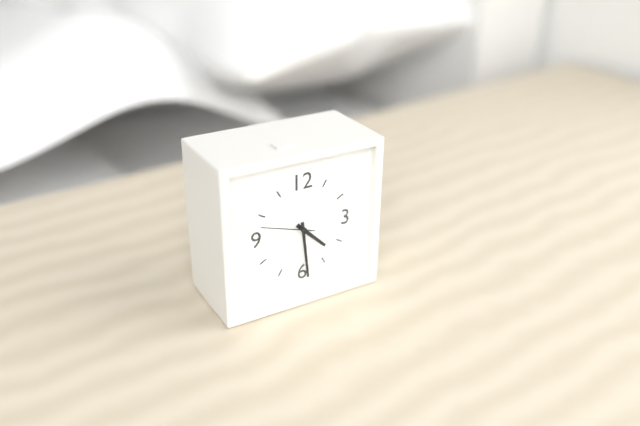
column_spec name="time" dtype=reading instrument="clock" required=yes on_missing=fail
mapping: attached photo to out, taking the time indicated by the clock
4:29:48
